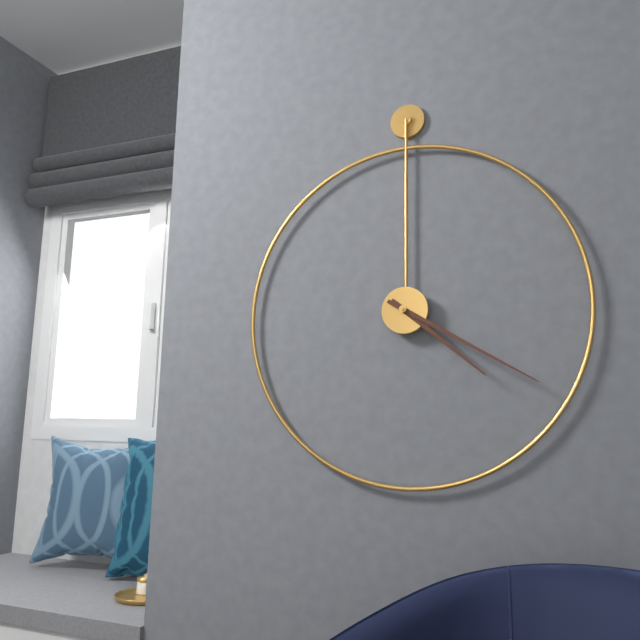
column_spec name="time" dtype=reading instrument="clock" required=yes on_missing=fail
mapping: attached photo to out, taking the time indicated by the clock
4:20
